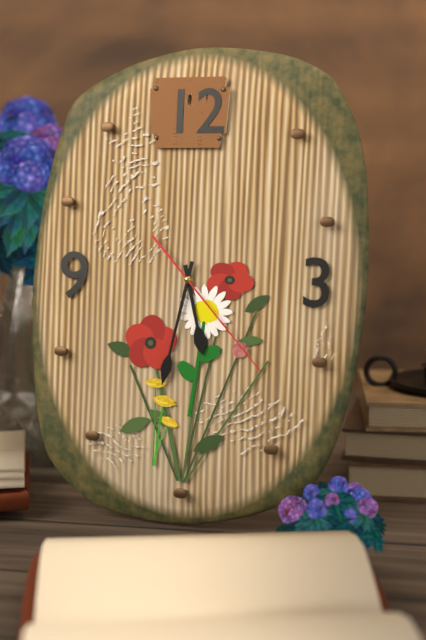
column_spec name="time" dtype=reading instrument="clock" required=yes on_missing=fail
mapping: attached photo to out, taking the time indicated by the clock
5:32:23
